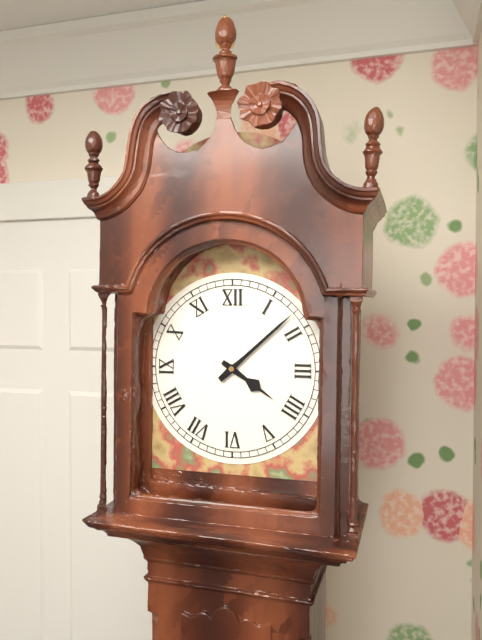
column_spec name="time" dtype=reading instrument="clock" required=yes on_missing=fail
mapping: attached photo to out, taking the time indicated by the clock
4:08
